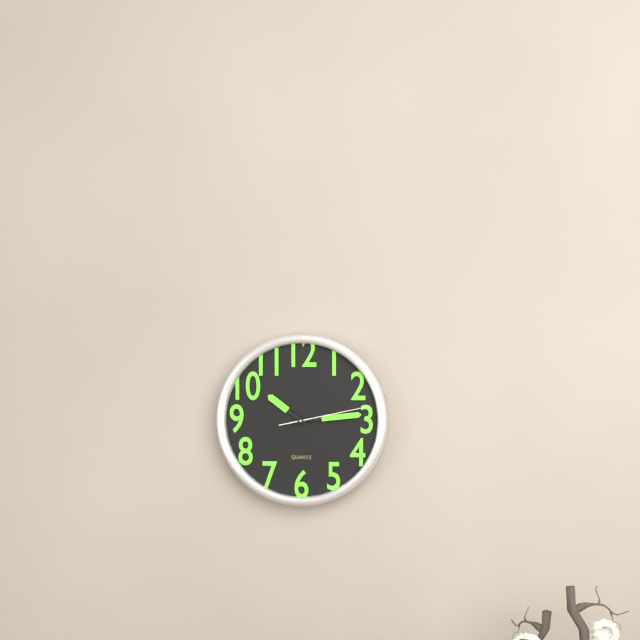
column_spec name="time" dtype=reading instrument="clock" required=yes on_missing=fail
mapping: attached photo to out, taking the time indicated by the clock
10:14:13
